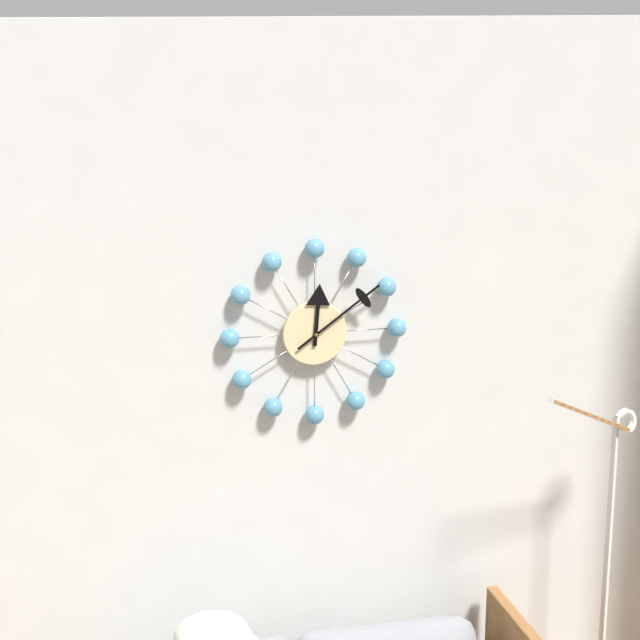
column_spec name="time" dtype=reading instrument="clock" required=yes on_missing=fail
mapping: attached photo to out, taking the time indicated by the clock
12:09
